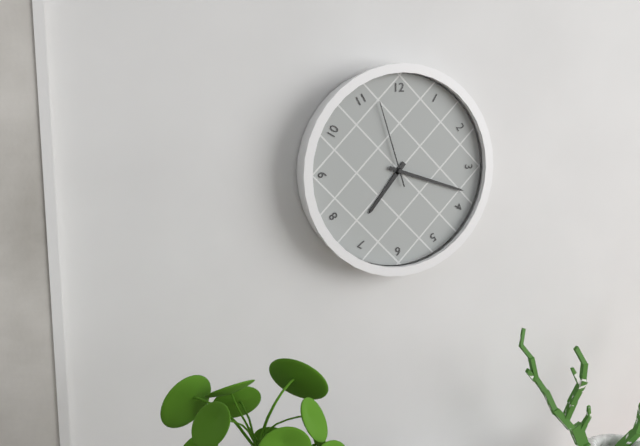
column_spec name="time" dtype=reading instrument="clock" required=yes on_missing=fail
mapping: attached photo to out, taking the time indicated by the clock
7:18:57
